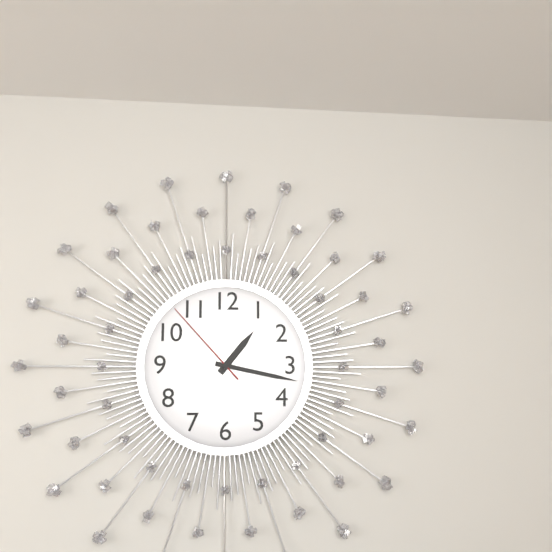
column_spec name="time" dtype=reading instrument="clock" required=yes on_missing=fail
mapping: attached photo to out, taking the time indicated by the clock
1:17:53
